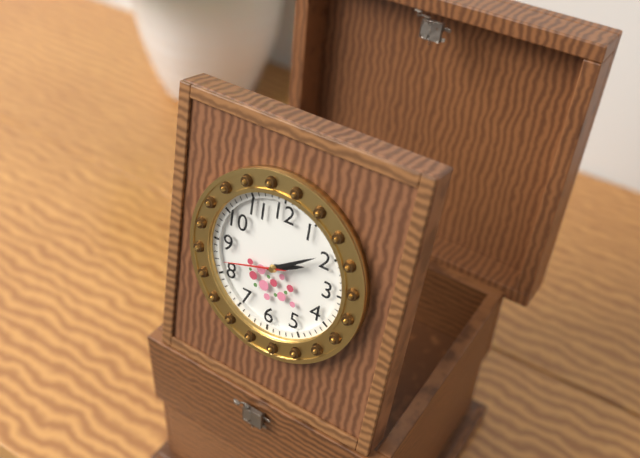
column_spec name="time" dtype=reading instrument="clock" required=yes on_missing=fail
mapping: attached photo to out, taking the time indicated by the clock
2:09:42
